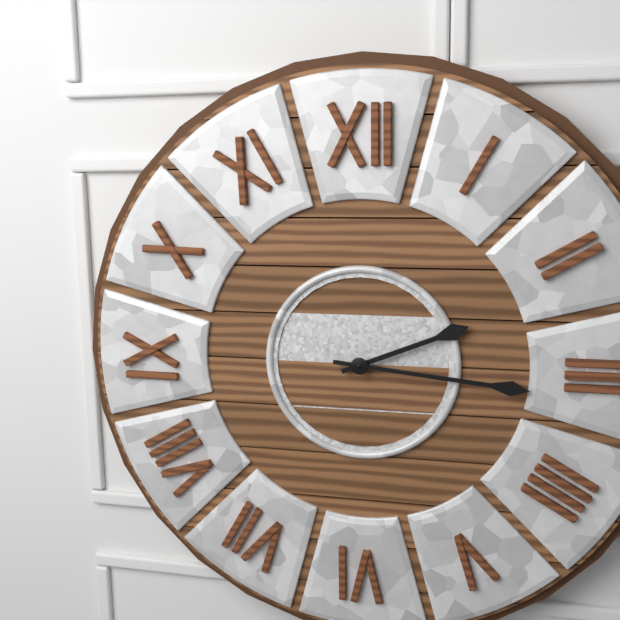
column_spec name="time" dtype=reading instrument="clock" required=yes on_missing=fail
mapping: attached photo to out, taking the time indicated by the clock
2:16
